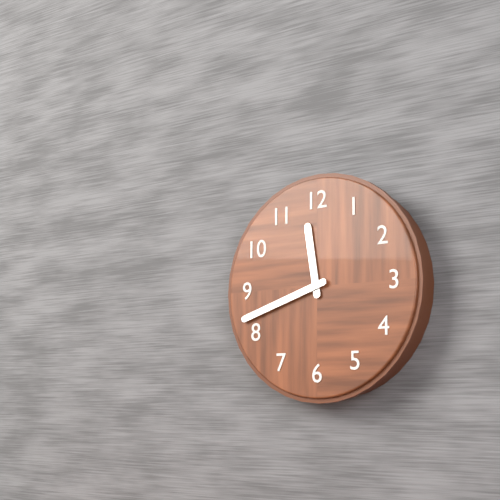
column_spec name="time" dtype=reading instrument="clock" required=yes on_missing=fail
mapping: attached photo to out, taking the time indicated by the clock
11:42
